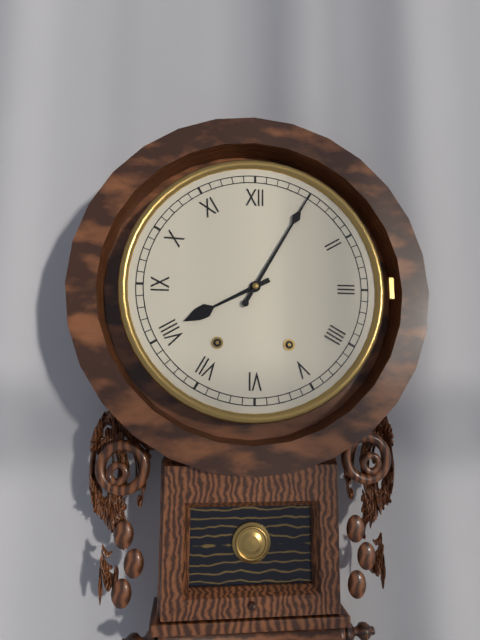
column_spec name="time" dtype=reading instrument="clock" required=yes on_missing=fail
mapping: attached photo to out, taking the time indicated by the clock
8:05
